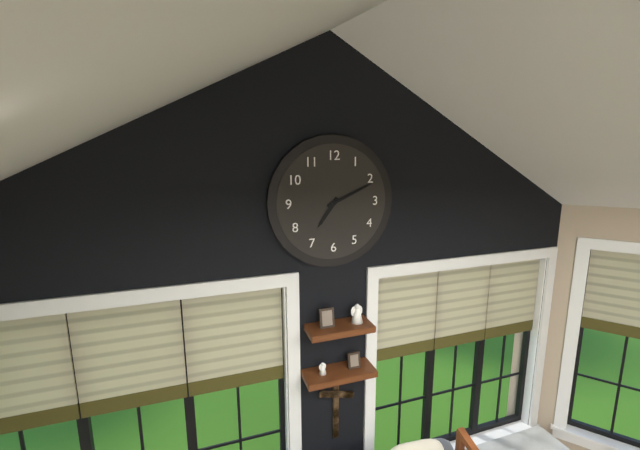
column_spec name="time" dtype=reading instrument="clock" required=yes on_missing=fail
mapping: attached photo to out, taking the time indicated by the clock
7:11
